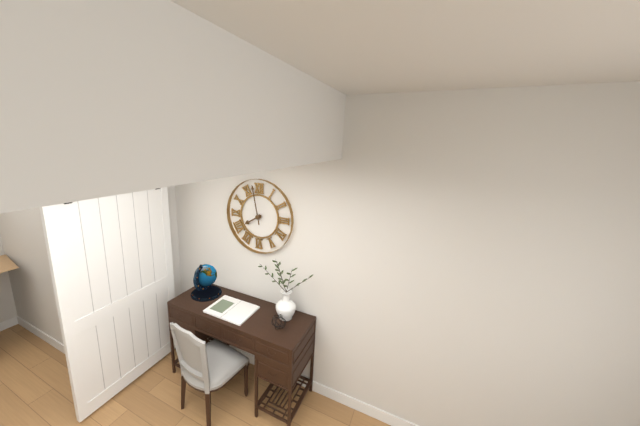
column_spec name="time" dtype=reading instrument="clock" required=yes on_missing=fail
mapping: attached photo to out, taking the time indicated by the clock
7:58
